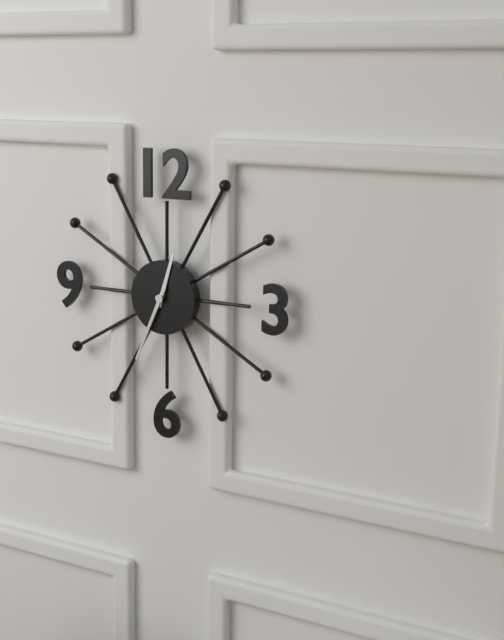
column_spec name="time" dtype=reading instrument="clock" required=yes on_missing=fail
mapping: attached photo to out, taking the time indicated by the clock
12:34
